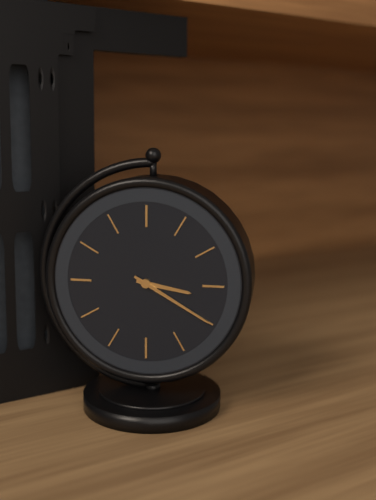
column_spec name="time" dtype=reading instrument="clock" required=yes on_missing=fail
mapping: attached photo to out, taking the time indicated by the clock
3:20
